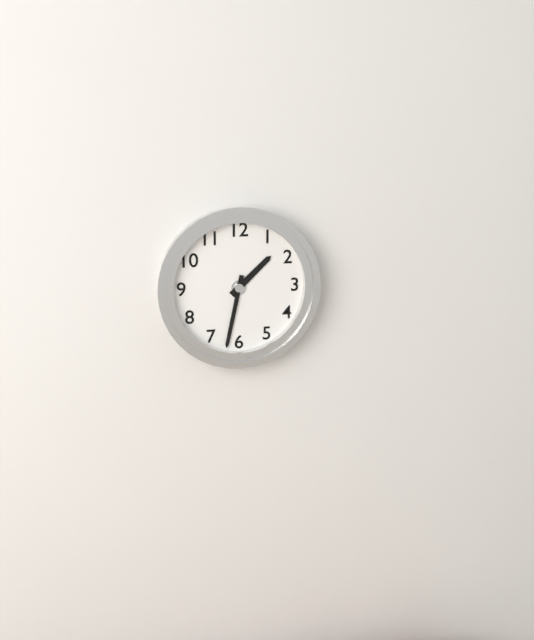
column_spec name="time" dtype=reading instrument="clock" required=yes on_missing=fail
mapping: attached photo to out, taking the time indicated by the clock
1:32
